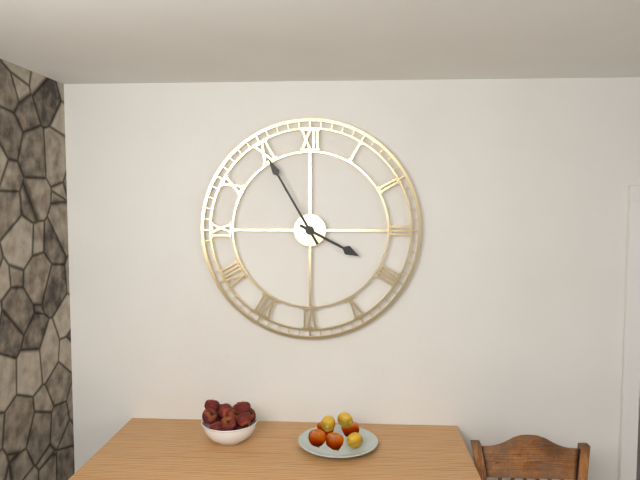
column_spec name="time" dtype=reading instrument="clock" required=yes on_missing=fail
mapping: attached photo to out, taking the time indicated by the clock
3:55
